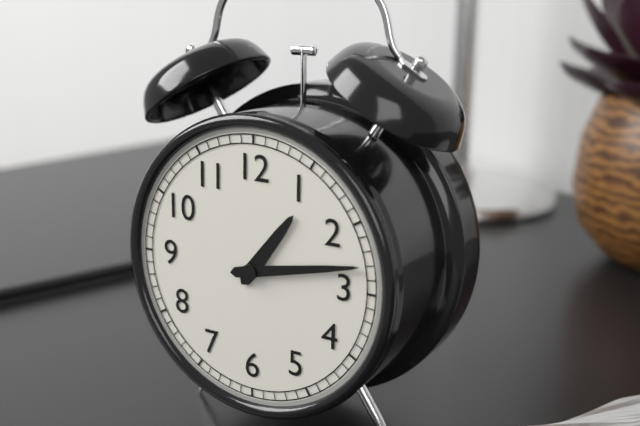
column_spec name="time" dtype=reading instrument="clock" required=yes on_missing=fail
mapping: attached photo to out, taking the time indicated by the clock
1:13
